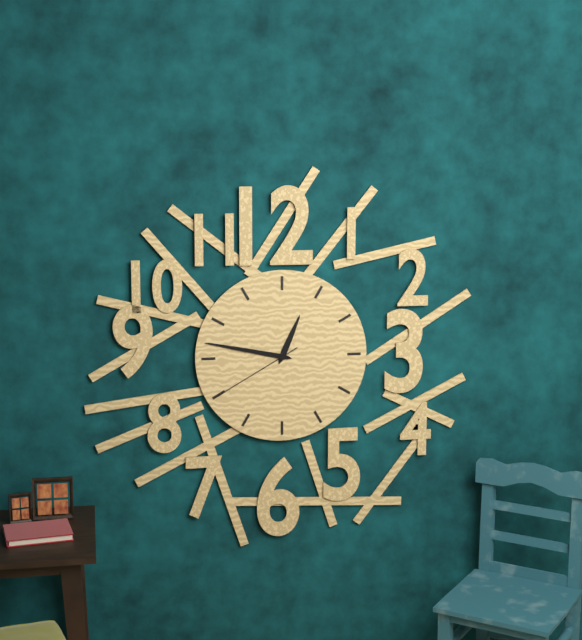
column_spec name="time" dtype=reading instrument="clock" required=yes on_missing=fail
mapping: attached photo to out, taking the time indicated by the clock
12:47:40
